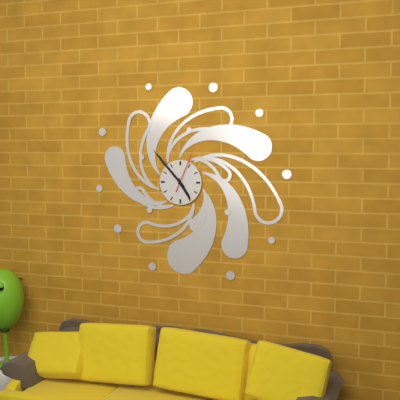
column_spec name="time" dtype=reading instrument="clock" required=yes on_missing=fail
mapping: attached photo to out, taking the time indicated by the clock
4:53
